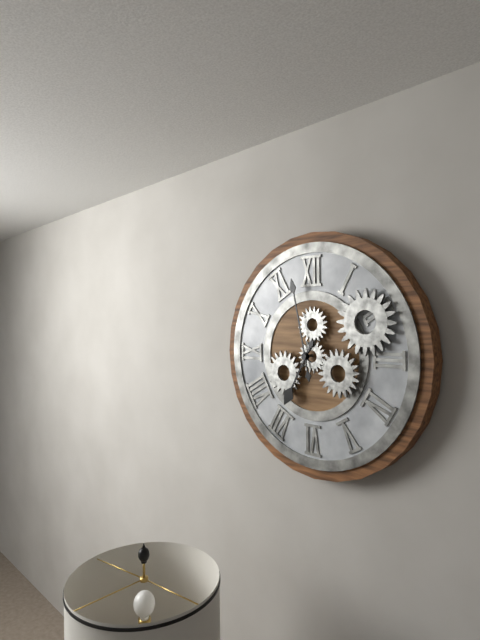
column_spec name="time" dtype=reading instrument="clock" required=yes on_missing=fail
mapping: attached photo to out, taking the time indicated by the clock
6:58
